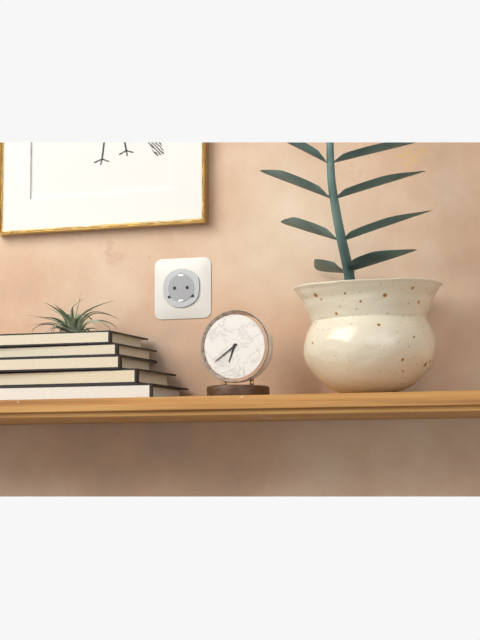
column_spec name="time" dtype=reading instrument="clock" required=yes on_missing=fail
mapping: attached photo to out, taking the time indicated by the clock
6:39
